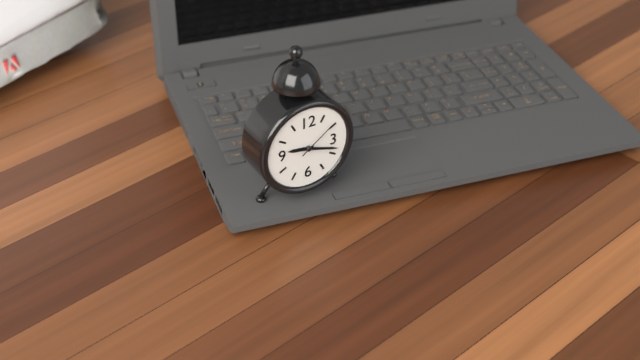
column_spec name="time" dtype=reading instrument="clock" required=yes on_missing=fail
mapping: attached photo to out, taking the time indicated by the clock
9:18
